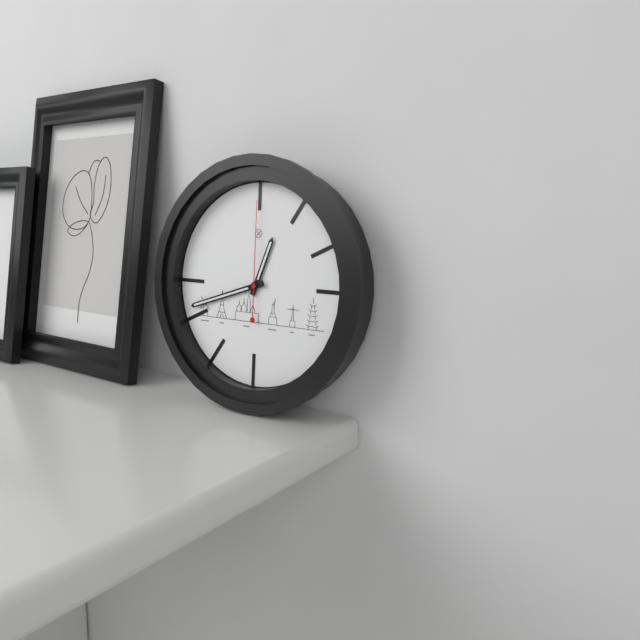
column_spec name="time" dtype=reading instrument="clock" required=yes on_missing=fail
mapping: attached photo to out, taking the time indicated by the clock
12:42:00
